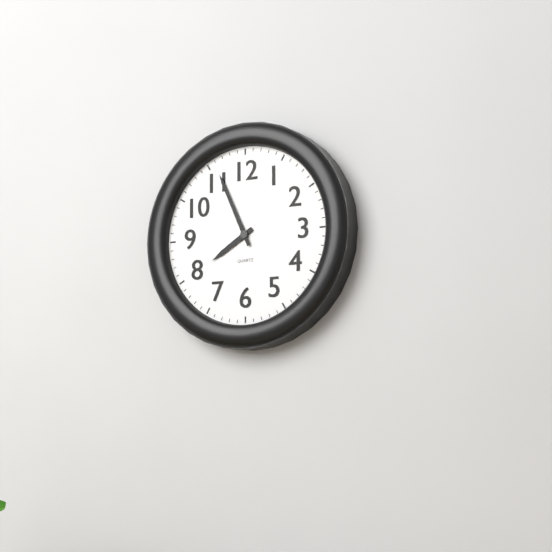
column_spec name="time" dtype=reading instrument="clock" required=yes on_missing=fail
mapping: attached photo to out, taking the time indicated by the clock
7:56
